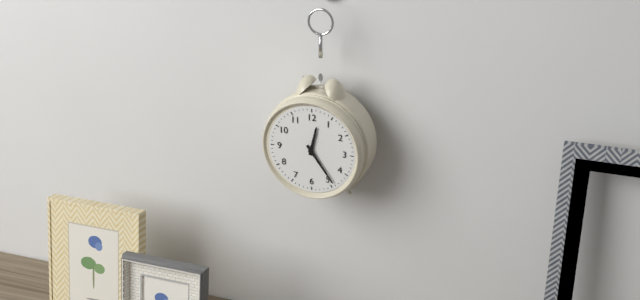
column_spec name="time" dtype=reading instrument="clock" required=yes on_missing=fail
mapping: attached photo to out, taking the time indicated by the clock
12:24
